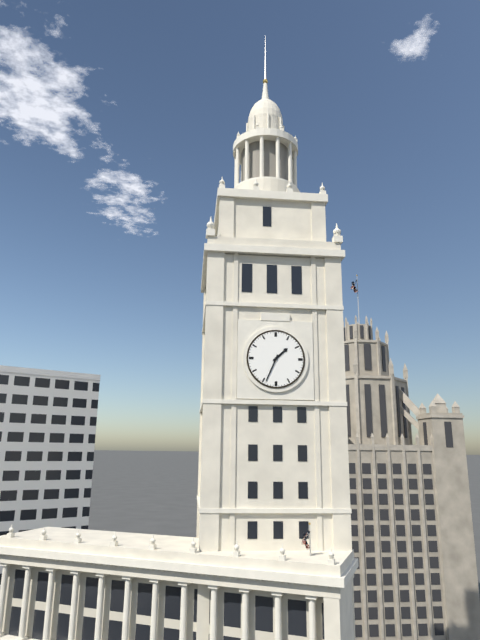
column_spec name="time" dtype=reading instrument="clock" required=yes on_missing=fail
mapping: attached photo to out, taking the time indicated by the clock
1:34
